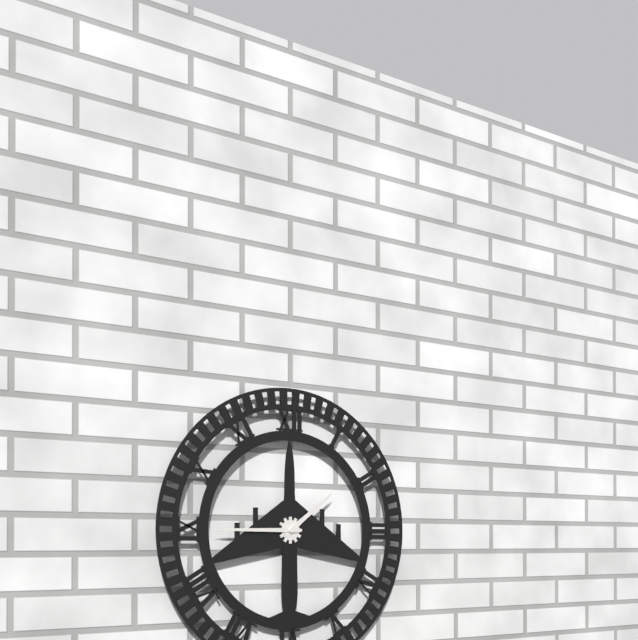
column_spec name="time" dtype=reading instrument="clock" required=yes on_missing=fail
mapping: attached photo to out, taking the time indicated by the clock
1:45
